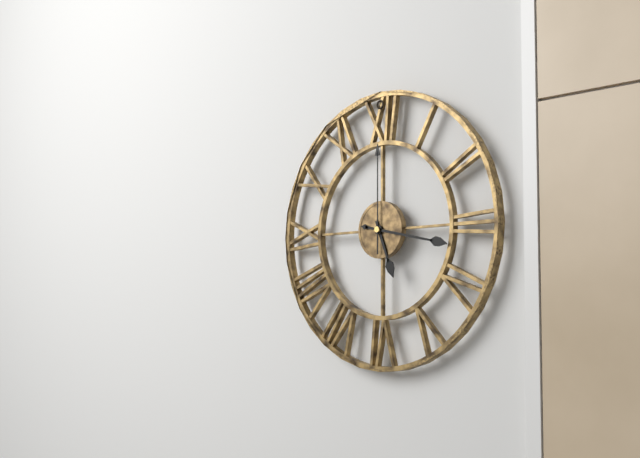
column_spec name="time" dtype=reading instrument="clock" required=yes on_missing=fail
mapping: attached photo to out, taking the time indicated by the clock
5:17:00
